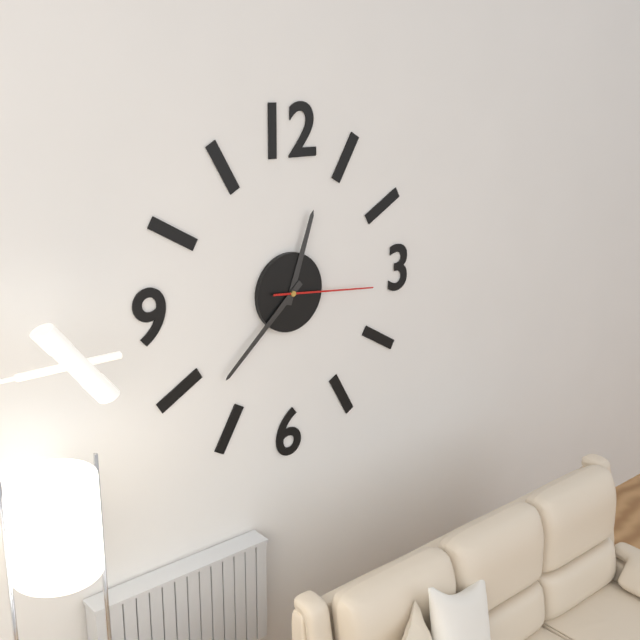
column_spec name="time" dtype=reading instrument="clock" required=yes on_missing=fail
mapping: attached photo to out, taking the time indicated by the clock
12:38:16
